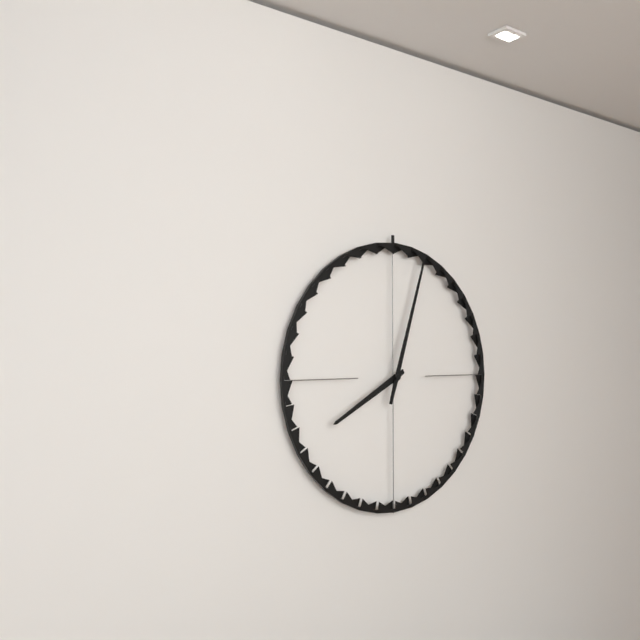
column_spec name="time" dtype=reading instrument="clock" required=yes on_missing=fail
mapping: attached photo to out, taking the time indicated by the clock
8:03
